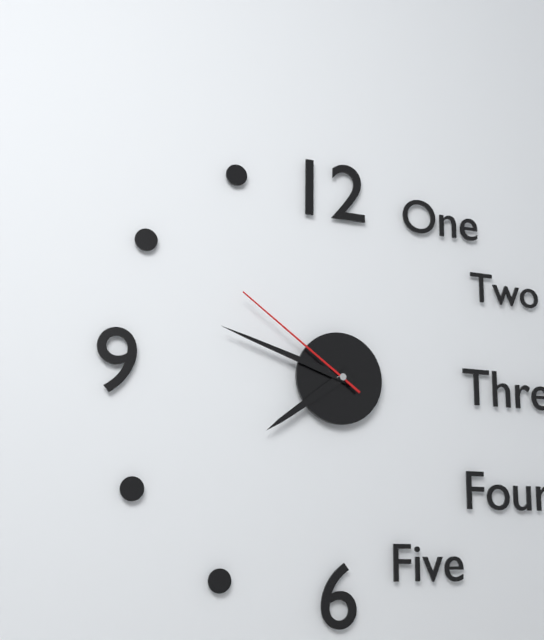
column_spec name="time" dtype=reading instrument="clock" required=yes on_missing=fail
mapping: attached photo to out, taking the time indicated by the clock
7:48:51
